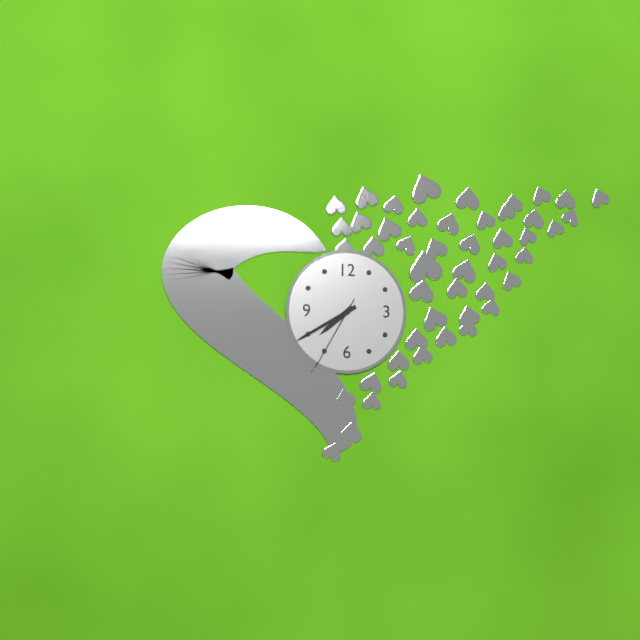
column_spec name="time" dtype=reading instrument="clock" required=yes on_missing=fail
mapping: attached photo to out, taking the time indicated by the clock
7:40:35
